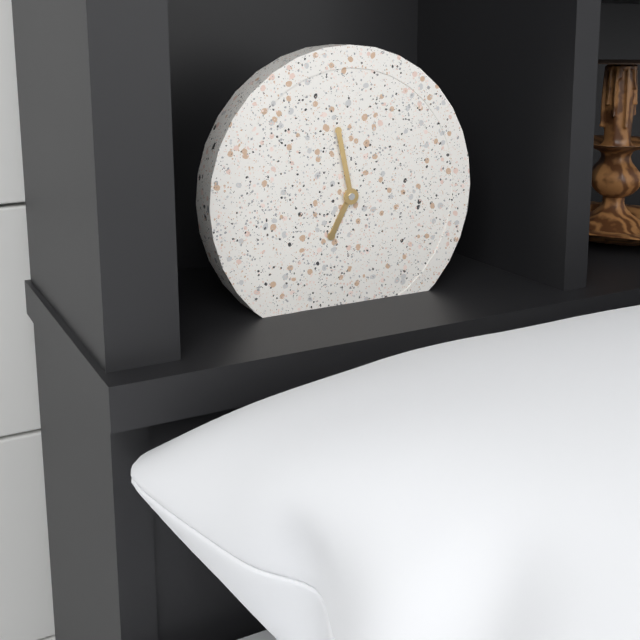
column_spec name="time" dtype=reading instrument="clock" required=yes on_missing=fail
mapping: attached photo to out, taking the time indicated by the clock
6:58
